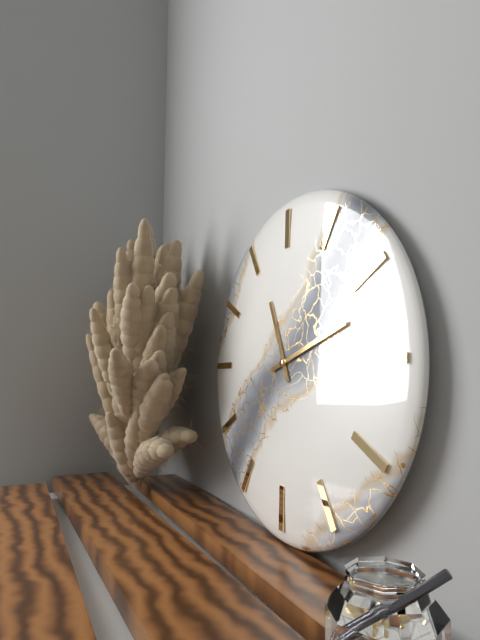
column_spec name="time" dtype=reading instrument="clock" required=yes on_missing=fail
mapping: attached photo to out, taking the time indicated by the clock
11:12
